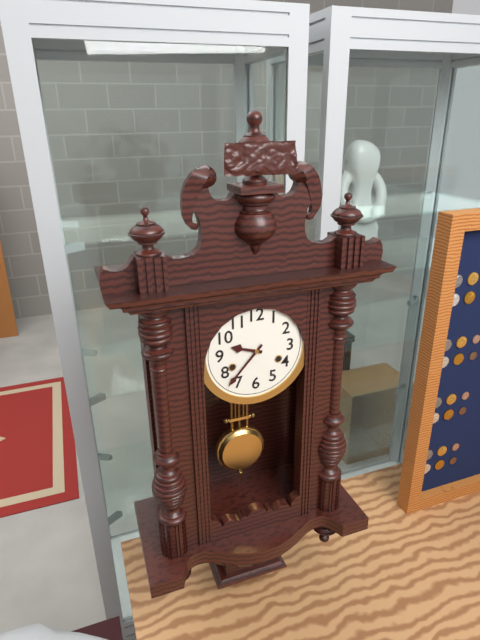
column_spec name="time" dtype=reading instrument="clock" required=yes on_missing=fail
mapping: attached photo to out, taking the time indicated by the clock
9:37
